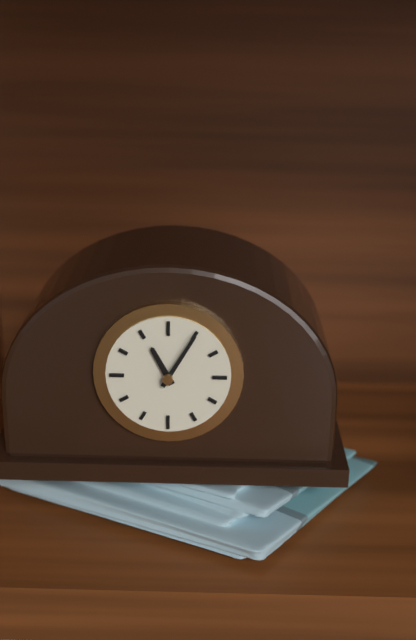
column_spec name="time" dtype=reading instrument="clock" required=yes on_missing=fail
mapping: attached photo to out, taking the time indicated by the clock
11:05
